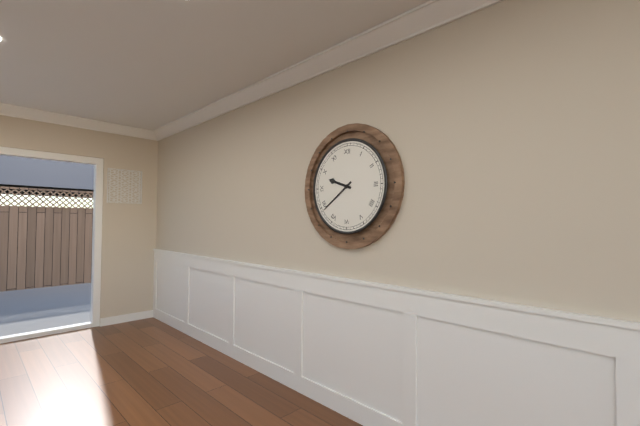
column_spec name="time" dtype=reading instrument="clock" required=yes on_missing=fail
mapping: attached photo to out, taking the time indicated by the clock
9:39
